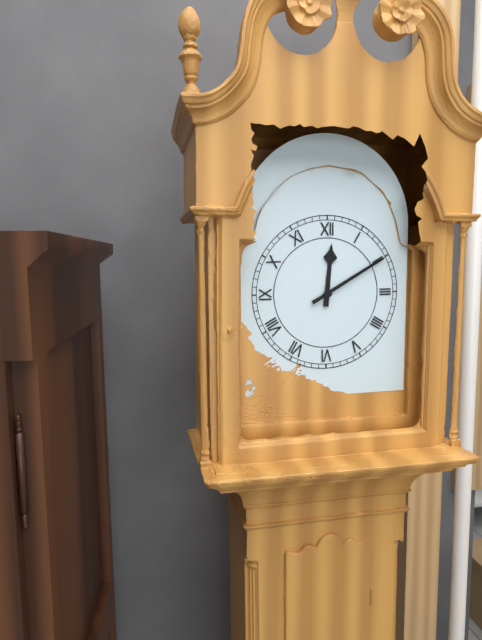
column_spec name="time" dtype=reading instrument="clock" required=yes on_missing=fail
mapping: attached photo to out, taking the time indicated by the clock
12:10
